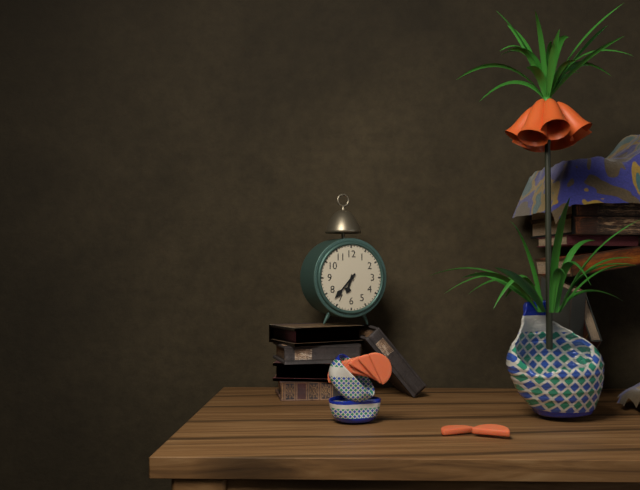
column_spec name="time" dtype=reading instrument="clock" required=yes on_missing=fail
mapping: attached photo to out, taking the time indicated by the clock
6:37
